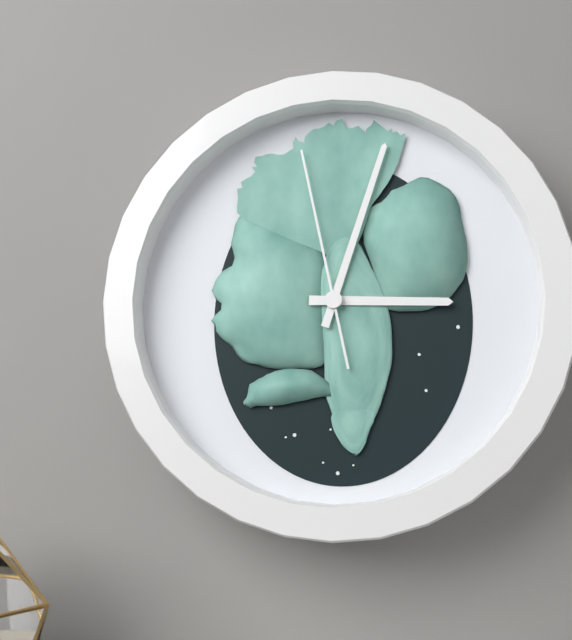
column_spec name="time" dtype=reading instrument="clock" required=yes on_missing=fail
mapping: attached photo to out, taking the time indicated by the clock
3:03:58
